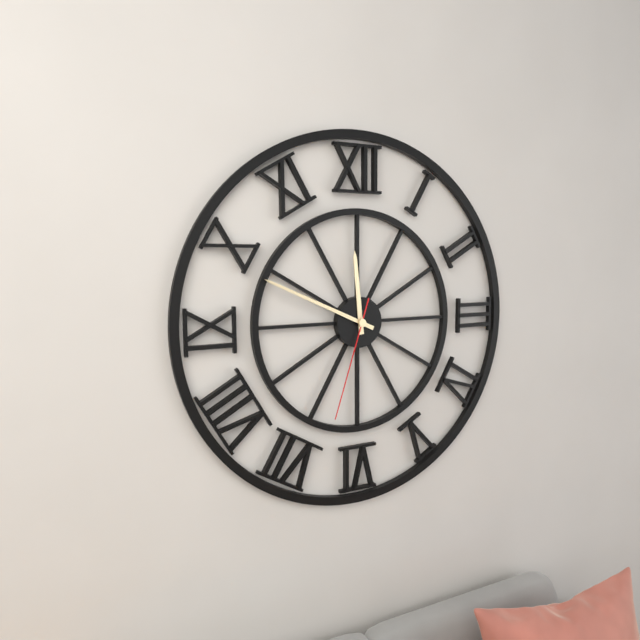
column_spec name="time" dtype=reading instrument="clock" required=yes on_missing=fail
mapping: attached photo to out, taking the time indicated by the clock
11:49:33
